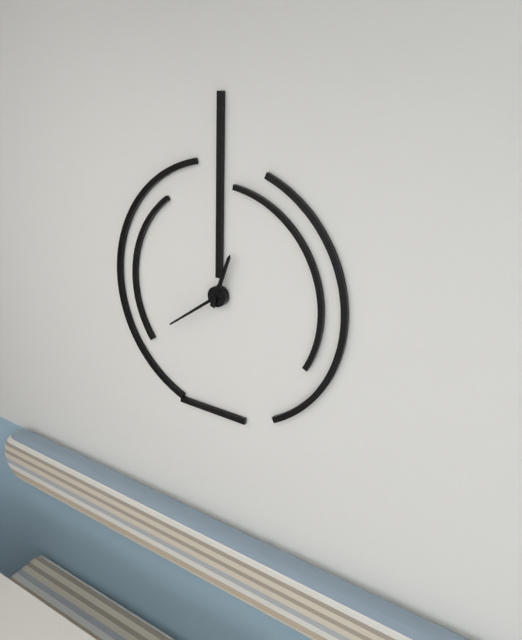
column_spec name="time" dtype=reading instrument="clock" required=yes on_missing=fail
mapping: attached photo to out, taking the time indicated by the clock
12:39
